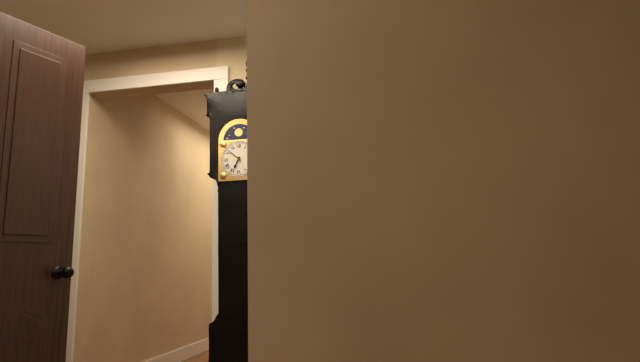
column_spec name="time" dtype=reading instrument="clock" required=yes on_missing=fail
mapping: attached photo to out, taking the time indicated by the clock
6:52
